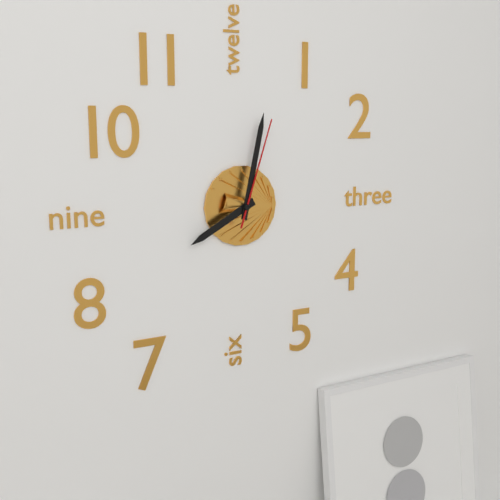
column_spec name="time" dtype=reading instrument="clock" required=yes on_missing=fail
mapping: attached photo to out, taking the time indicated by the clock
8:02:03
